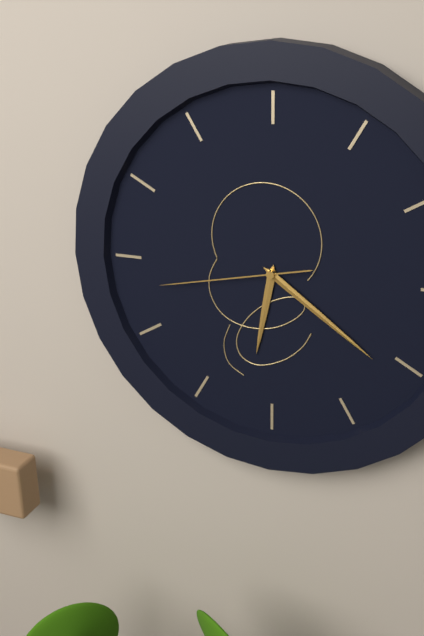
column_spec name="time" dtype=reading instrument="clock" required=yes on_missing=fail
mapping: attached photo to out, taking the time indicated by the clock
6:21:43
